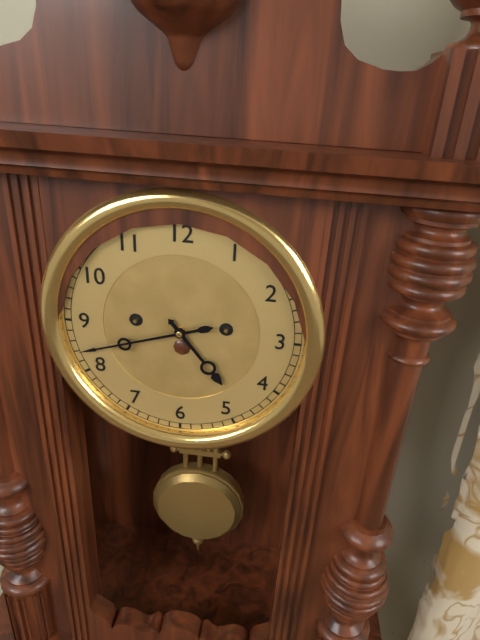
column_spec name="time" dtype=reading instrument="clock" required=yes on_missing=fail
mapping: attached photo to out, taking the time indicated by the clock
4:42
